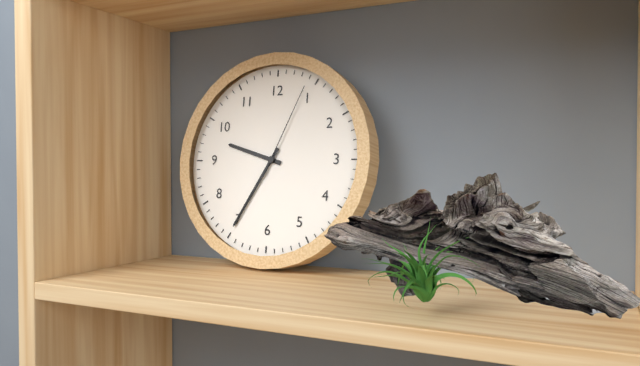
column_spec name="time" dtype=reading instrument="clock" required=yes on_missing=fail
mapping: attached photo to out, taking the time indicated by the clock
9:35:04
